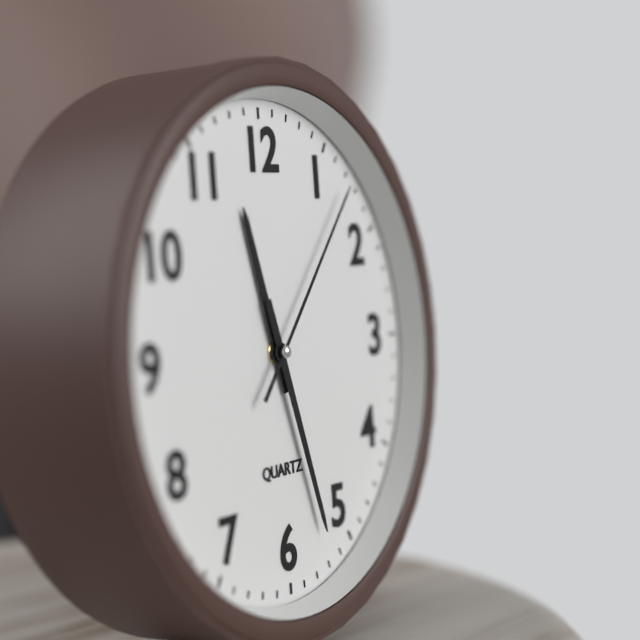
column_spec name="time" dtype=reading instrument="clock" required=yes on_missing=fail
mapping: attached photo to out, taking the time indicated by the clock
11:27:07
